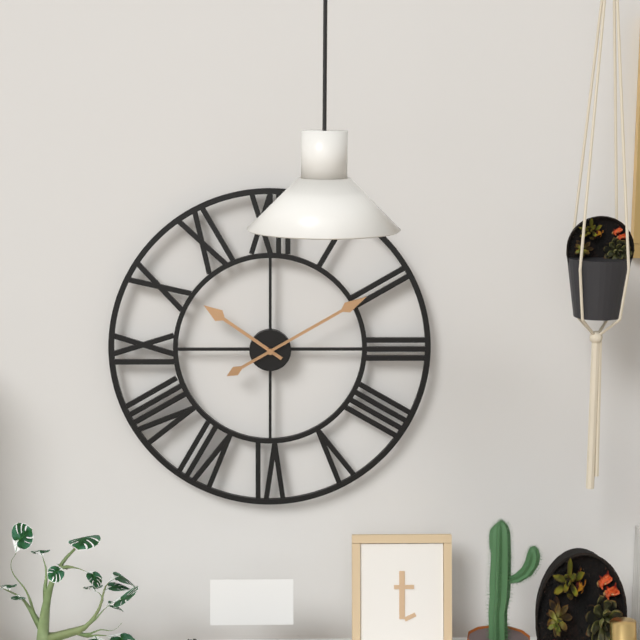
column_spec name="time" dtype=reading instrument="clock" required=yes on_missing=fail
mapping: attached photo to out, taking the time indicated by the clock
10:10
